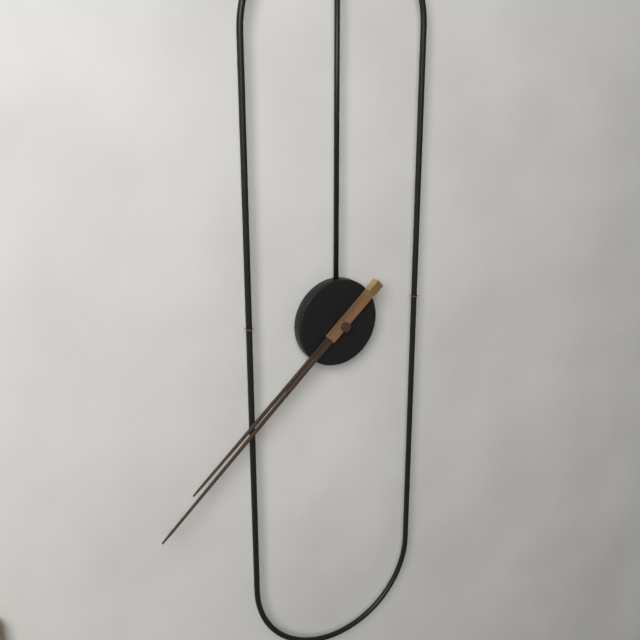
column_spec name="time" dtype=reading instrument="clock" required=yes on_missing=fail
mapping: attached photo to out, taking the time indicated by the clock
7:38
